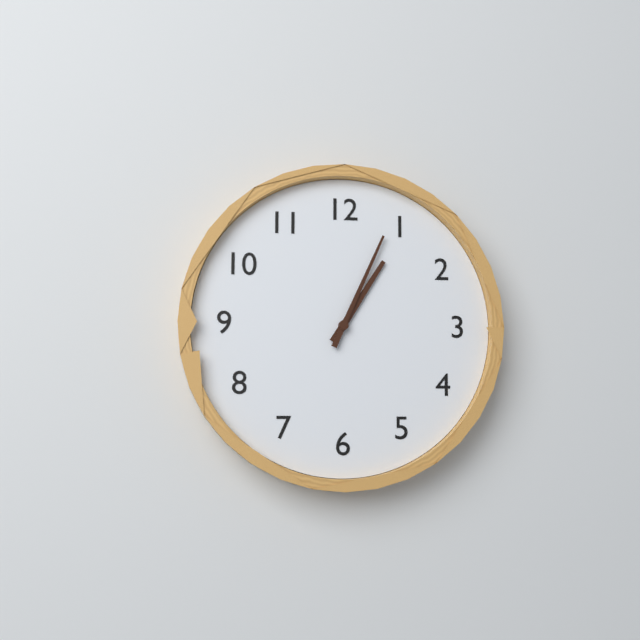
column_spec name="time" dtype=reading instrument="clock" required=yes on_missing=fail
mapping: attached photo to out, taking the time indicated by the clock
1:04
